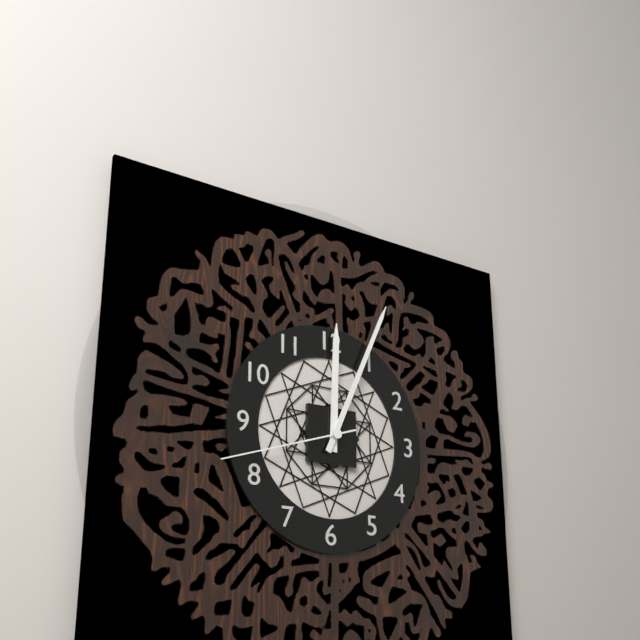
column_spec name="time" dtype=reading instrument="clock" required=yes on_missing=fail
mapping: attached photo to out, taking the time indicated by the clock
12:04:42
